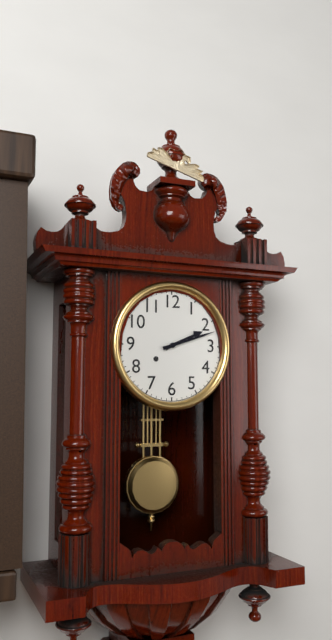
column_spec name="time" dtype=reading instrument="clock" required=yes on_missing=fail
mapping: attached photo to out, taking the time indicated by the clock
2:12
